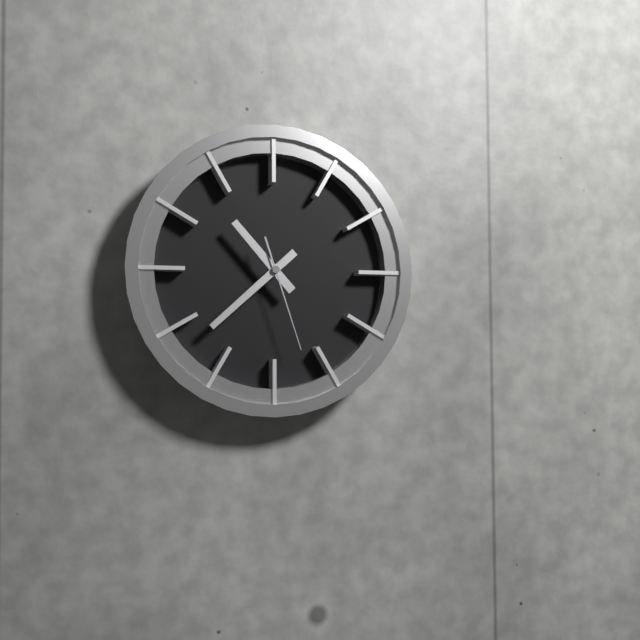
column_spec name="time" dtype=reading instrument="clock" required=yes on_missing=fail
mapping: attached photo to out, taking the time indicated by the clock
10:38:27
